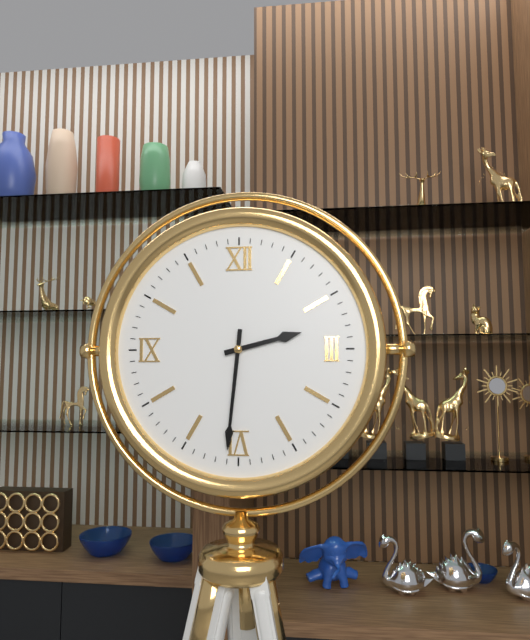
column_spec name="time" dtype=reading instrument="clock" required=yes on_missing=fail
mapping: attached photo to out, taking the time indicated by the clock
2:31
